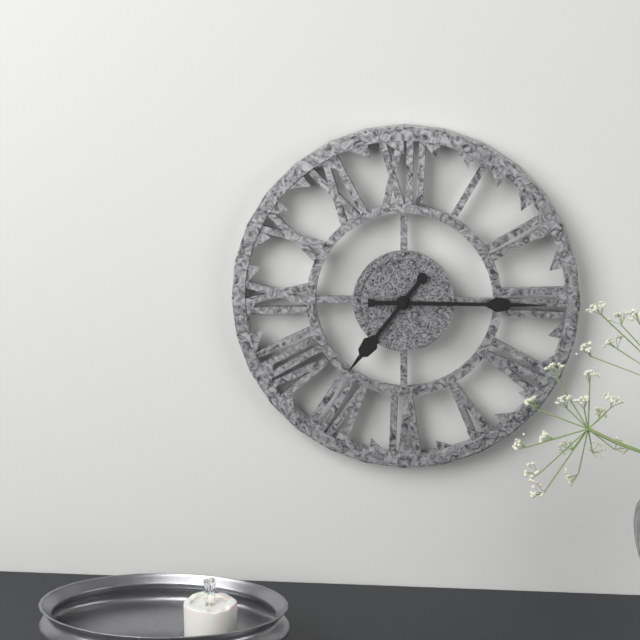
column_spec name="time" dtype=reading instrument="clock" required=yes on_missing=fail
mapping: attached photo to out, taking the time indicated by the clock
7:15
